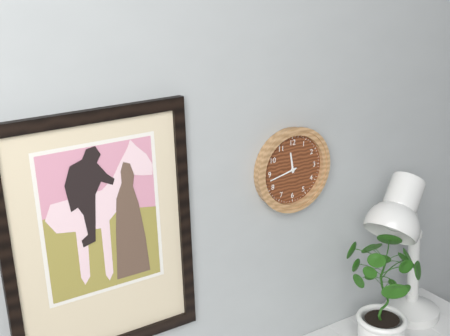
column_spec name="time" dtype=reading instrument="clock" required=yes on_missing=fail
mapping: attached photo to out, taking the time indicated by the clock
11:43
